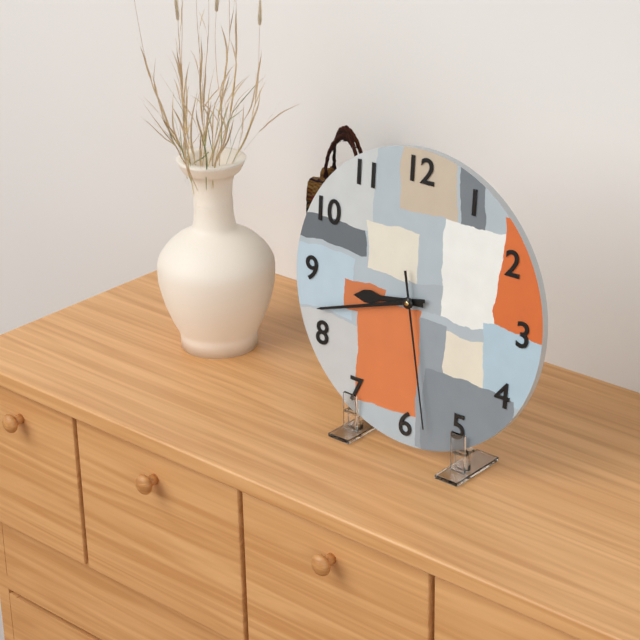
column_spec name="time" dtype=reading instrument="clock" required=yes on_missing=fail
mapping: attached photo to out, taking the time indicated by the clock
8:42:28
